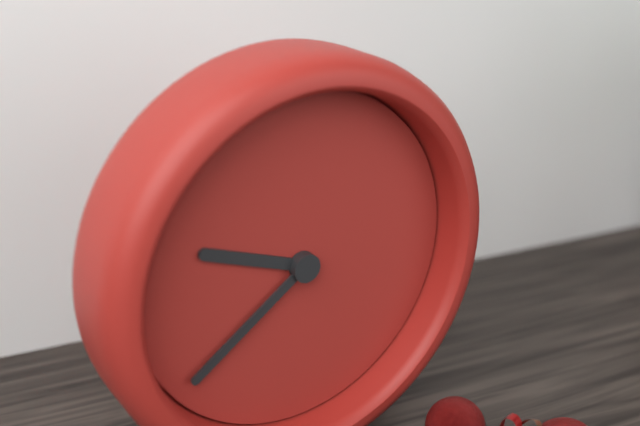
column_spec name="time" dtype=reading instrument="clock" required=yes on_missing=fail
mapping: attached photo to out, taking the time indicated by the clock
9:39
